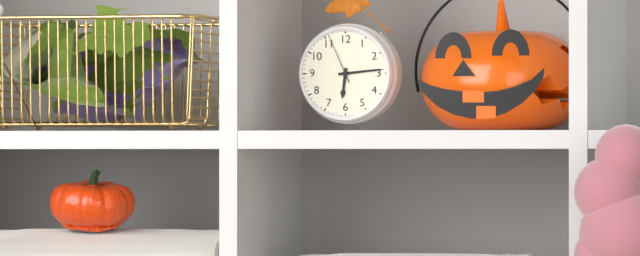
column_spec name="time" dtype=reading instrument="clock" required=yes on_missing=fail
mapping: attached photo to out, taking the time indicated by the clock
6:14:56
